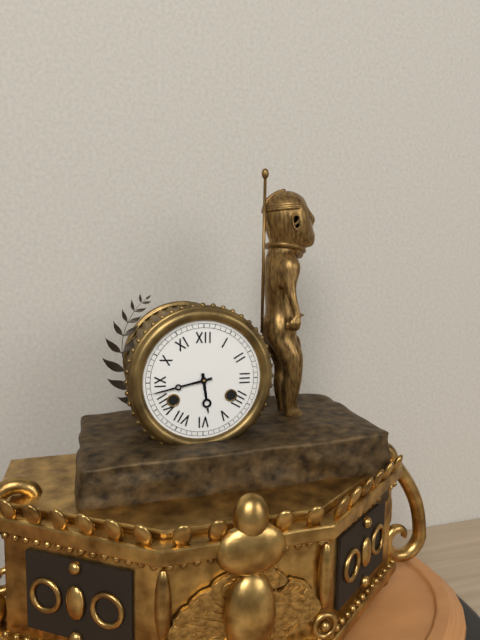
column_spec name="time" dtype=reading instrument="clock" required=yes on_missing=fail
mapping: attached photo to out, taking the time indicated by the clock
5:43
